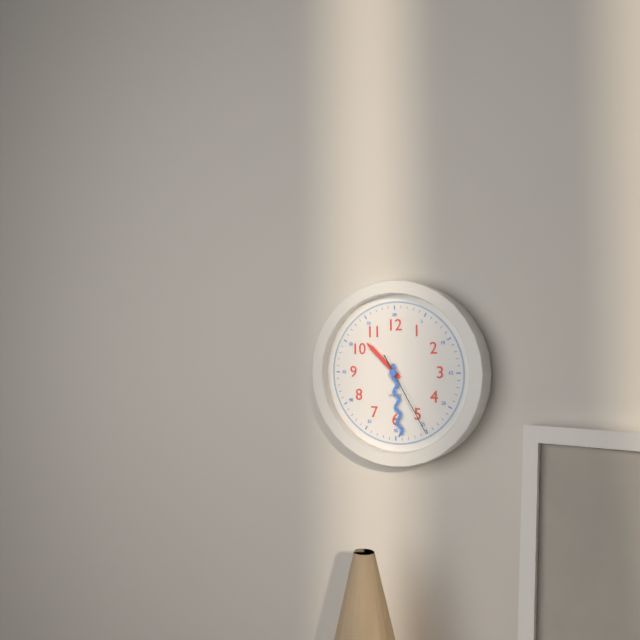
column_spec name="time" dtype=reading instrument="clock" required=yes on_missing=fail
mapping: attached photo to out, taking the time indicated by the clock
10:29:25
